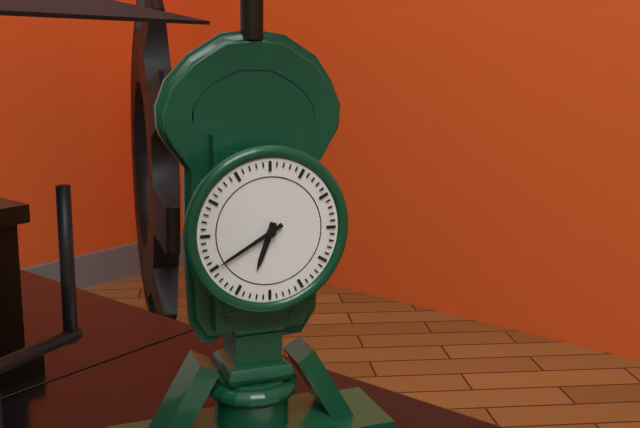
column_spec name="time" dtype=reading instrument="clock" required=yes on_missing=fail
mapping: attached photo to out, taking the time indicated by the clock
6:40
